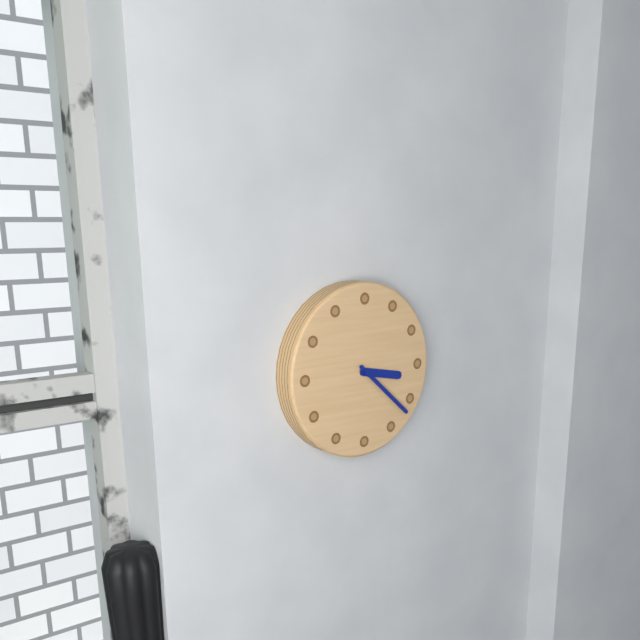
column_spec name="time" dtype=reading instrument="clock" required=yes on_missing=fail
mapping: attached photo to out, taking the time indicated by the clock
3:22
